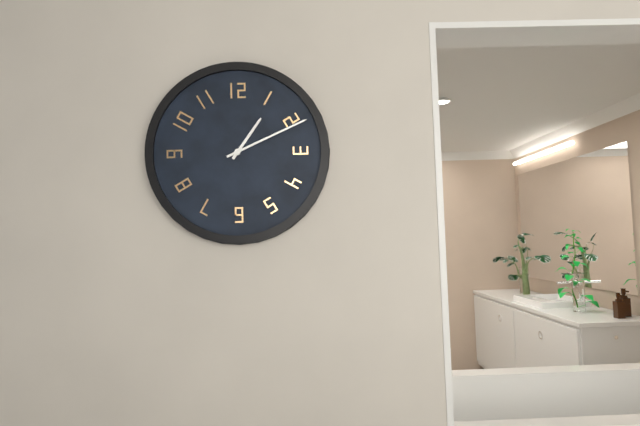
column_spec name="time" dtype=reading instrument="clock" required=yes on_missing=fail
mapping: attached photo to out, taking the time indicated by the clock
1:11
